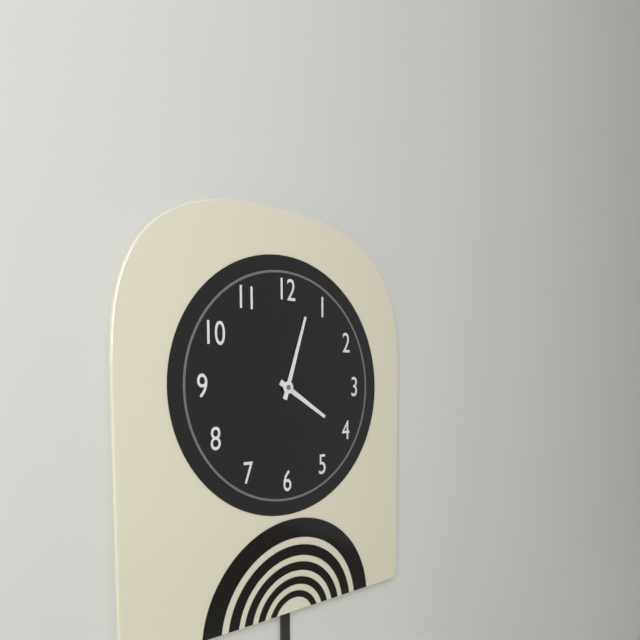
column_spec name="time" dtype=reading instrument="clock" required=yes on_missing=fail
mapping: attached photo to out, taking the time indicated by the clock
4:03
